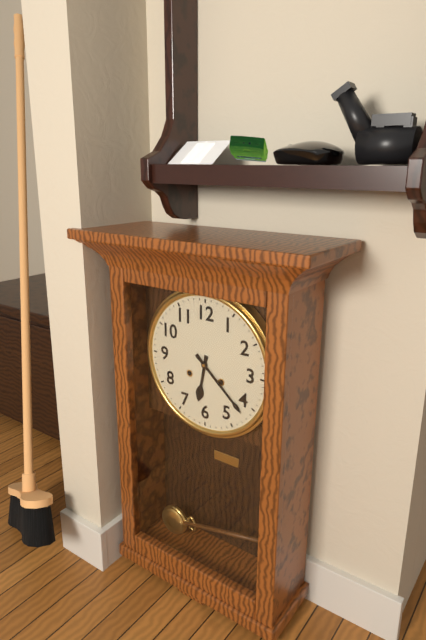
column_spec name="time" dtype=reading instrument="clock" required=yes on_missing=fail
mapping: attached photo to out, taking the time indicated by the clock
6:22
